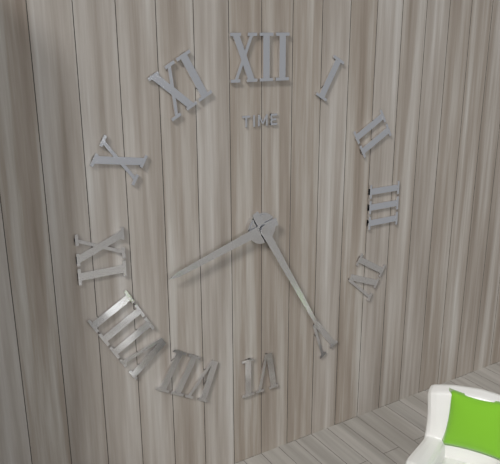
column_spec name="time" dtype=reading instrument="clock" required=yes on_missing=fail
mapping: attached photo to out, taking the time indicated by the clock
8:25
